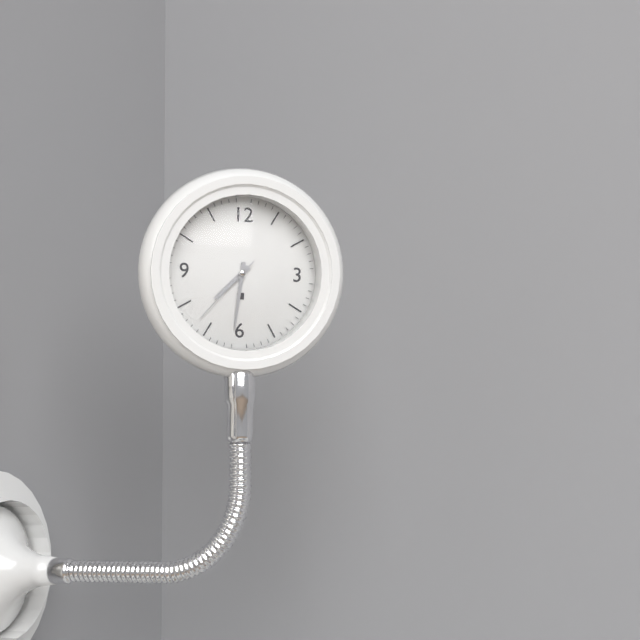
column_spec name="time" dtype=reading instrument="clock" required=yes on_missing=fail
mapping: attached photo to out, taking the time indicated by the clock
7:31:37
